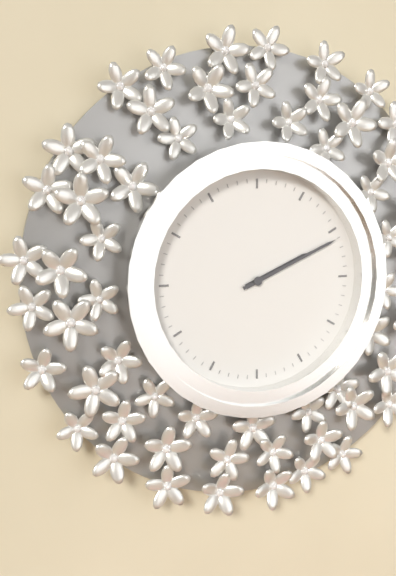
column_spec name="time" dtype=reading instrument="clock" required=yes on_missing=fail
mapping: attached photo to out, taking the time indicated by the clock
2:11
